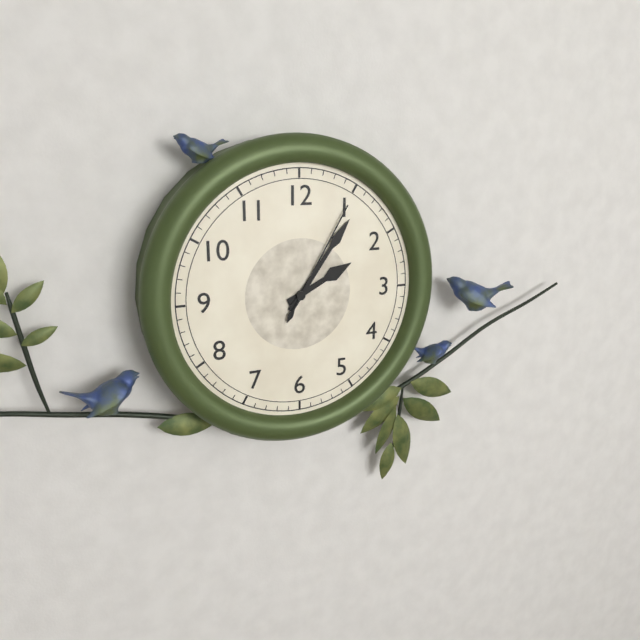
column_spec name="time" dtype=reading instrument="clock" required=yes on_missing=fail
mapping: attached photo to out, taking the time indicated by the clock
2:06:05
